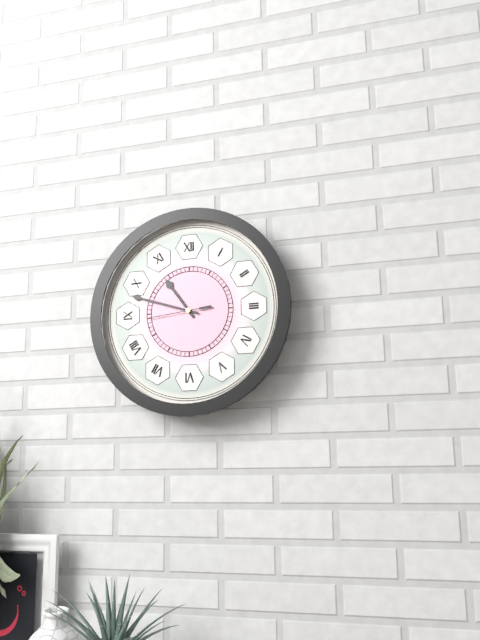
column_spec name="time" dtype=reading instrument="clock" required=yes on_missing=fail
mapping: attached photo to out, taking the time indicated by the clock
10:48:44
